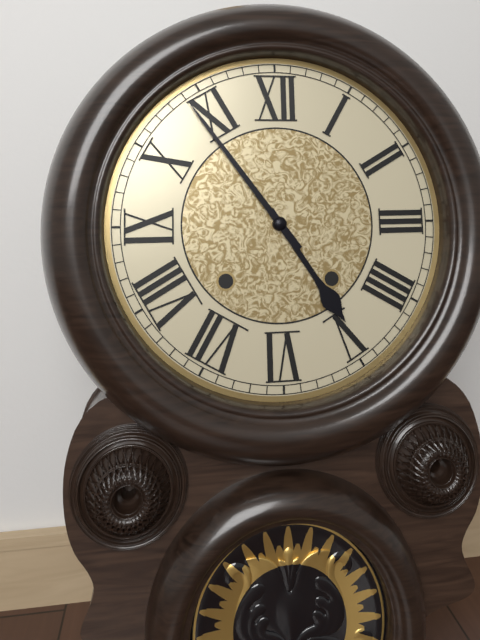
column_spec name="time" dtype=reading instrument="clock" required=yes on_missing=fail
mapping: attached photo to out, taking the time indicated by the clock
4:54
